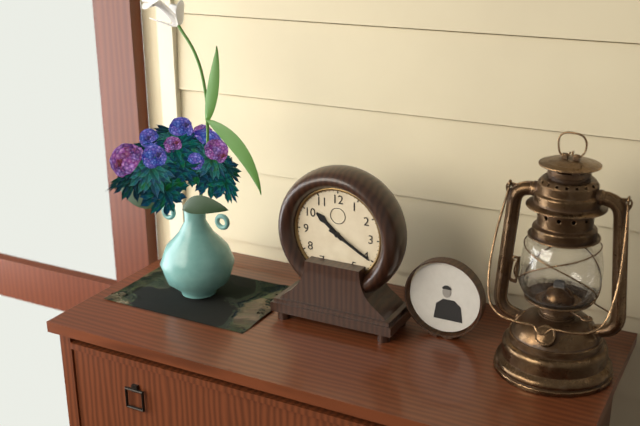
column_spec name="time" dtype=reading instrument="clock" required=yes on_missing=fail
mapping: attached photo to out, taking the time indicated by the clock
10:20
